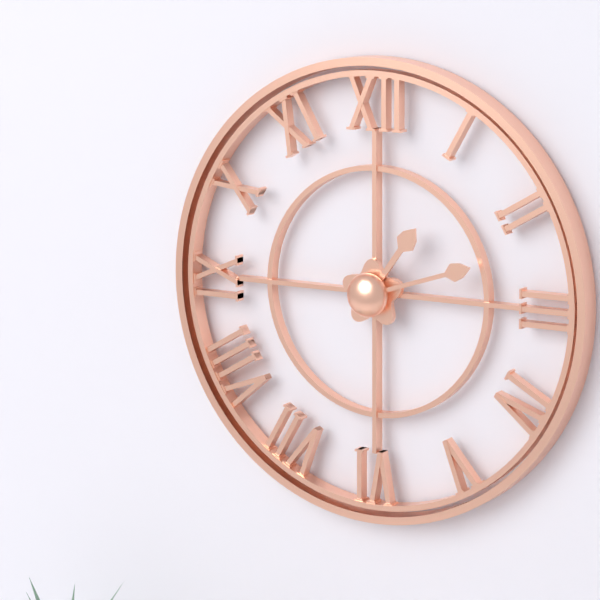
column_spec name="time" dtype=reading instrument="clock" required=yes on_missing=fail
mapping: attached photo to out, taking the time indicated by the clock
1:12
